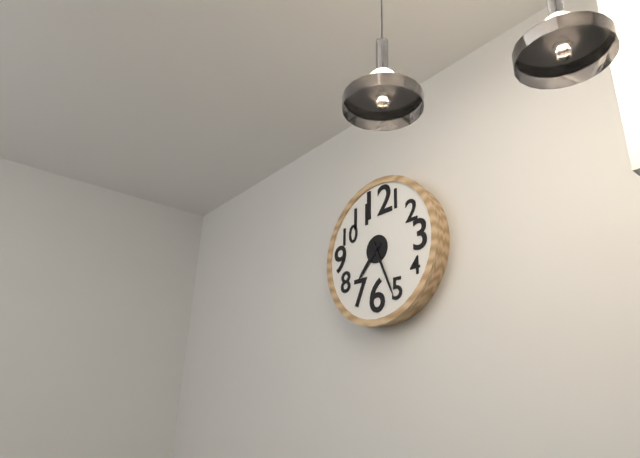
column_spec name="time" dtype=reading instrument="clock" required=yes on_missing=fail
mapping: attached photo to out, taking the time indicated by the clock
7:26
